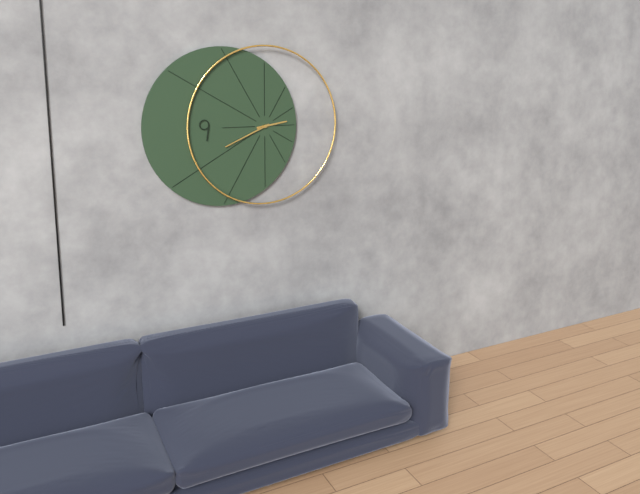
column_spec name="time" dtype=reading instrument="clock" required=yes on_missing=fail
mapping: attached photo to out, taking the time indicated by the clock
2:41
